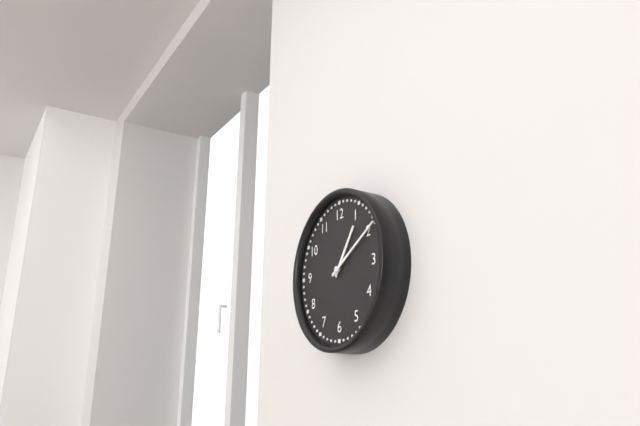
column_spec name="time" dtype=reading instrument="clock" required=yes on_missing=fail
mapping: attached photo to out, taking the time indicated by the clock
1:10
